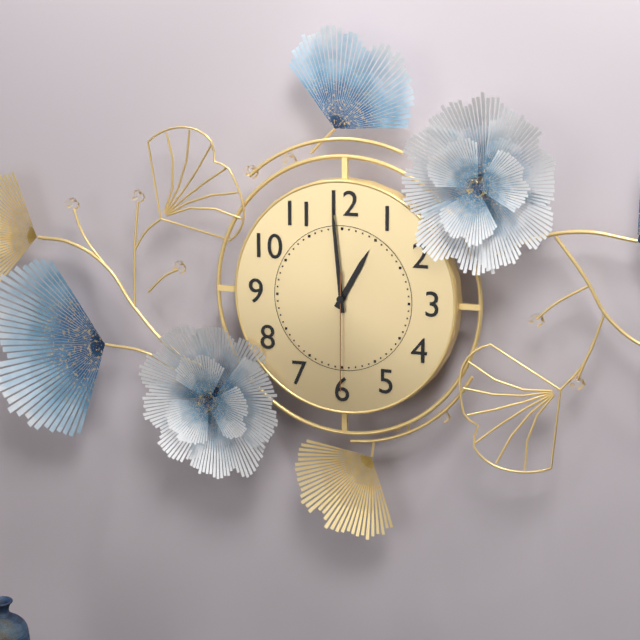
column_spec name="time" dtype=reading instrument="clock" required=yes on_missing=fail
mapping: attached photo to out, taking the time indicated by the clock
12:59:30
